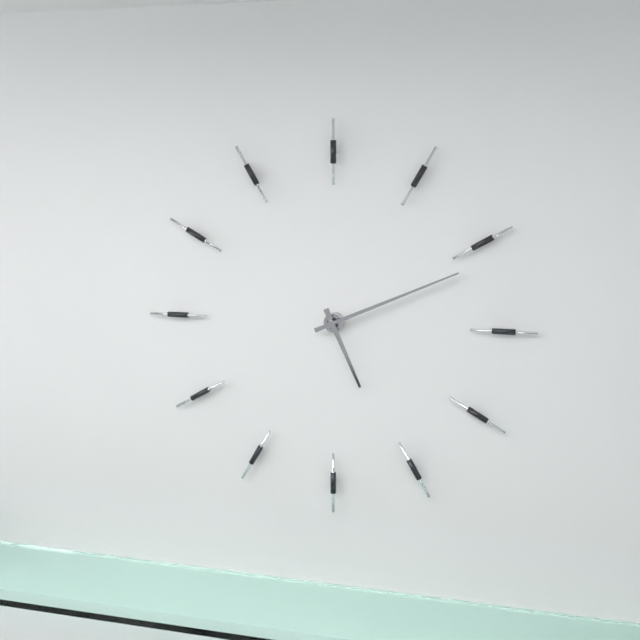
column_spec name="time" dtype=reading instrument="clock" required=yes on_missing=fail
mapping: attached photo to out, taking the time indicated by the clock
5:11
